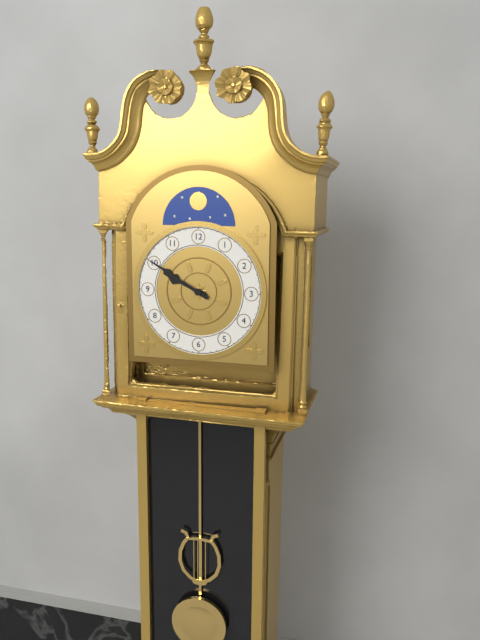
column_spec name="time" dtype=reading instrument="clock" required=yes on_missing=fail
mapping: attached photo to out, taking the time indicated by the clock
9:50
